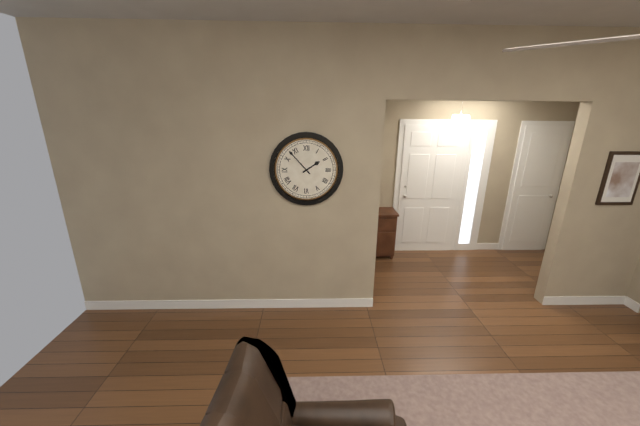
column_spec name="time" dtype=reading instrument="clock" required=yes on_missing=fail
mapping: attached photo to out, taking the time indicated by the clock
1:53
